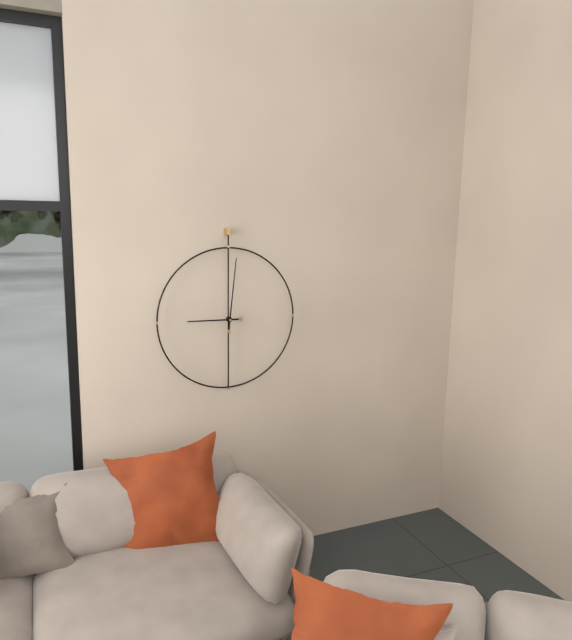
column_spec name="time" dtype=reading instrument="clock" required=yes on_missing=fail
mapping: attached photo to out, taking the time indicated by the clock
9:01
